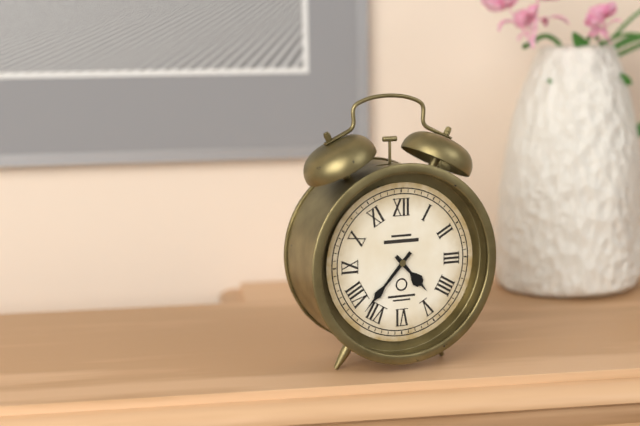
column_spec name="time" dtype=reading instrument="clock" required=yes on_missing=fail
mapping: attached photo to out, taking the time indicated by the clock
4:37
